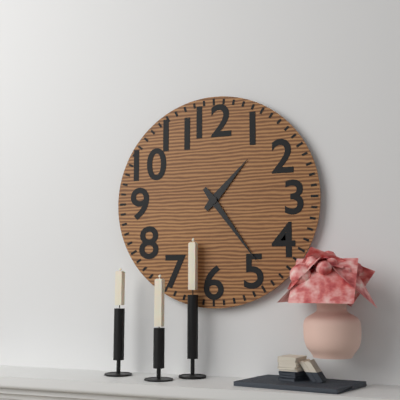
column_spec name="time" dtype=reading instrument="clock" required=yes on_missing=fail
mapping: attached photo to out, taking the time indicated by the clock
1:24
